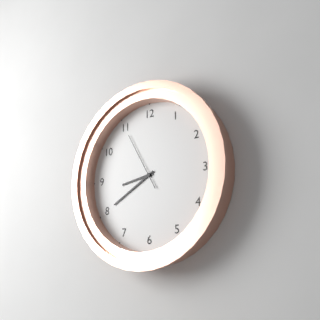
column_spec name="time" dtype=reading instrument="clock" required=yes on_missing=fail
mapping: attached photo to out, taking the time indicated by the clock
8:40:55
